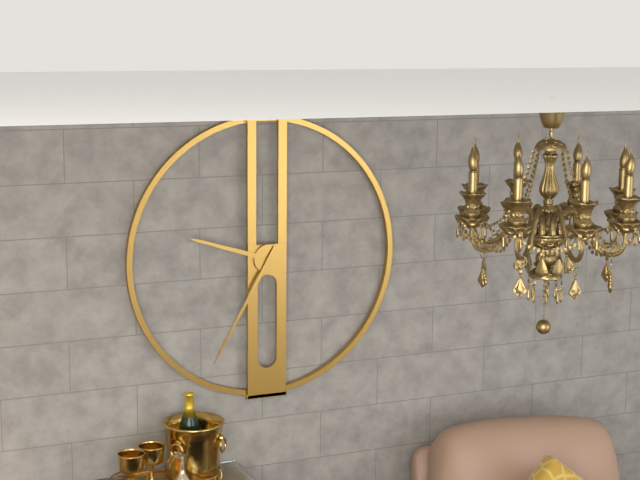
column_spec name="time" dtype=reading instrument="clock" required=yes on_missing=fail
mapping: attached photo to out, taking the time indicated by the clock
9:35
